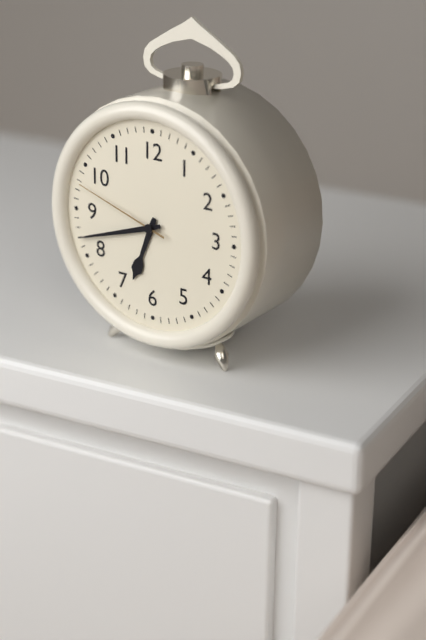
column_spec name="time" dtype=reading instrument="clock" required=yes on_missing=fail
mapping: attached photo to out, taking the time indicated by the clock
6:42:48
